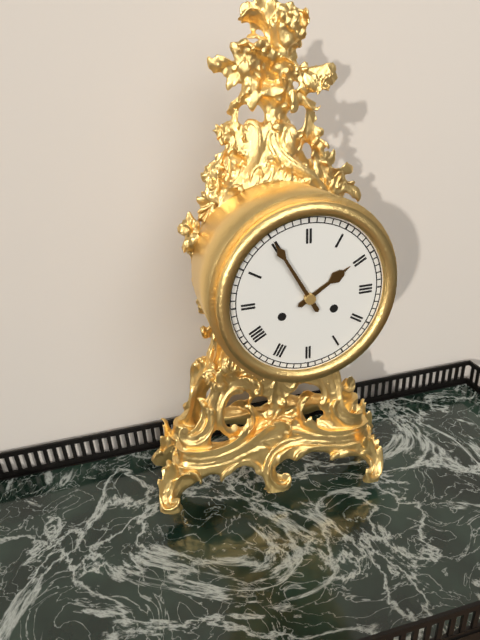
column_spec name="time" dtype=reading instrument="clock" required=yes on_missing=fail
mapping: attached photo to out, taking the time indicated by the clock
1:55
